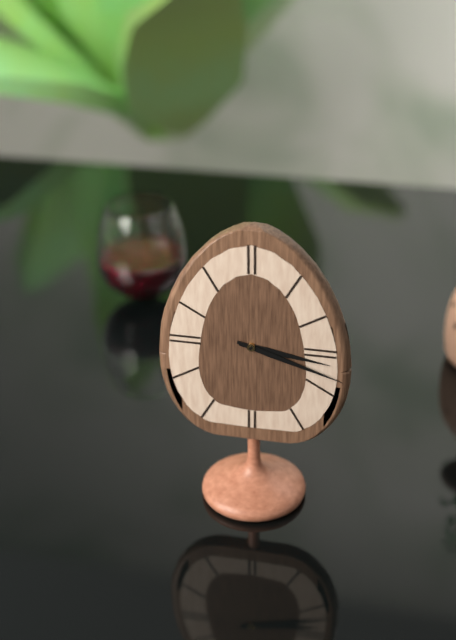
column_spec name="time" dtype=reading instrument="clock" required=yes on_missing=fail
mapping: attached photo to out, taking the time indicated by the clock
3:18
